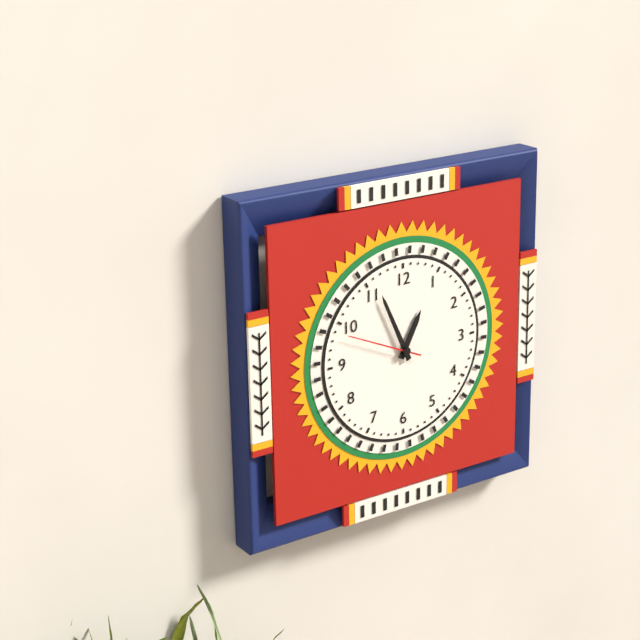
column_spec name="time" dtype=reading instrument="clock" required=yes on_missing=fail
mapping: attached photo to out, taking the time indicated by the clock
12:56:49
